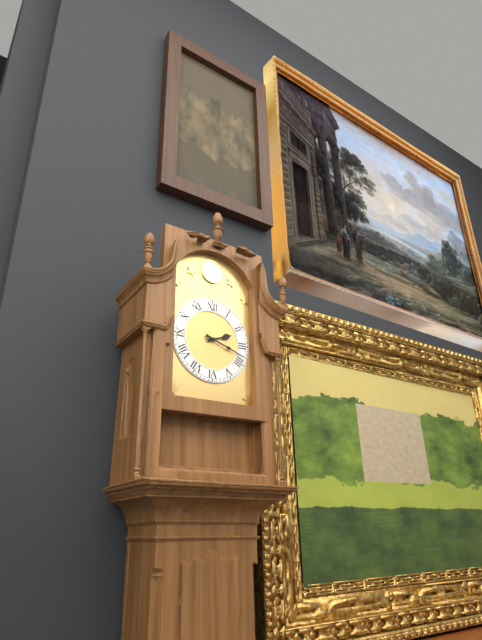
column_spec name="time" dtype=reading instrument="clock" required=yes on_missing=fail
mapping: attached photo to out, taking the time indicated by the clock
2:18
